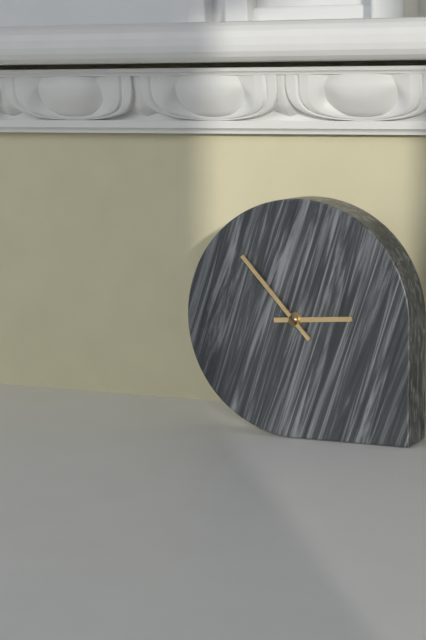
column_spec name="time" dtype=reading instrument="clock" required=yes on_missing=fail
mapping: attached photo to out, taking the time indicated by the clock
2:53
